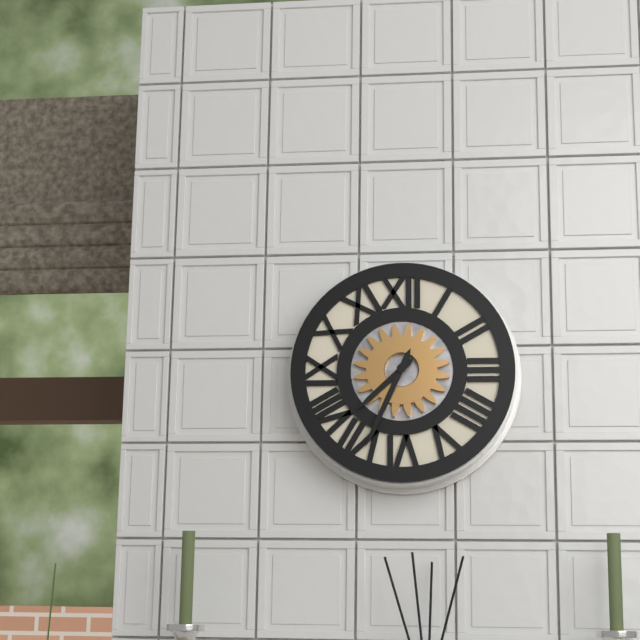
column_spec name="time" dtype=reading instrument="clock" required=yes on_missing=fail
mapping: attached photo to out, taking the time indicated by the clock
7:34
